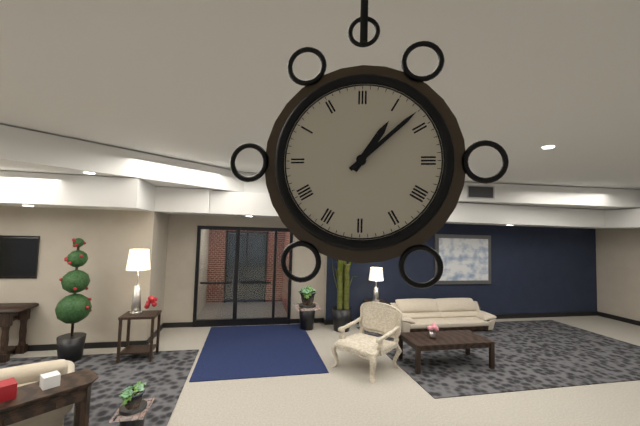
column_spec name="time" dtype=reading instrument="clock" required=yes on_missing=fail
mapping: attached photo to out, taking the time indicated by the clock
1:08
